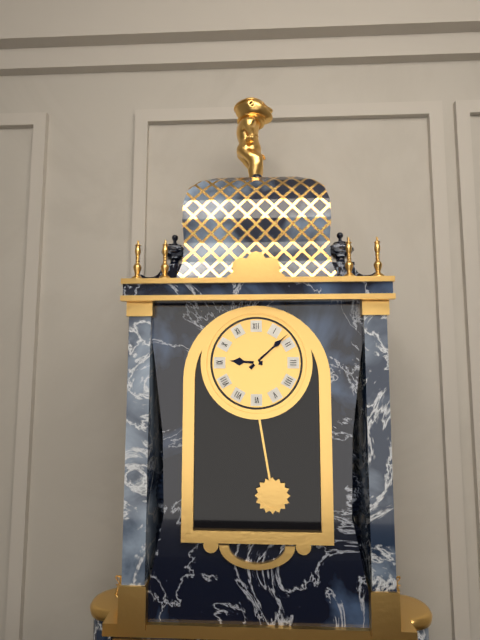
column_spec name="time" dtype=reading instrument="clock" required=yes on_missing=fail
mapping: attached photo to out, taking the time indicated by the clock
9:08
